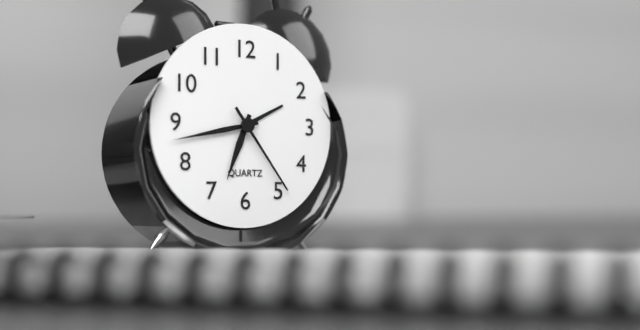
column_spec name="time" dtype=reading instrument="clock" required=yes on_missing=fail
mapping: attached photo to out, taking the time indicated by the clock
6:43:24
